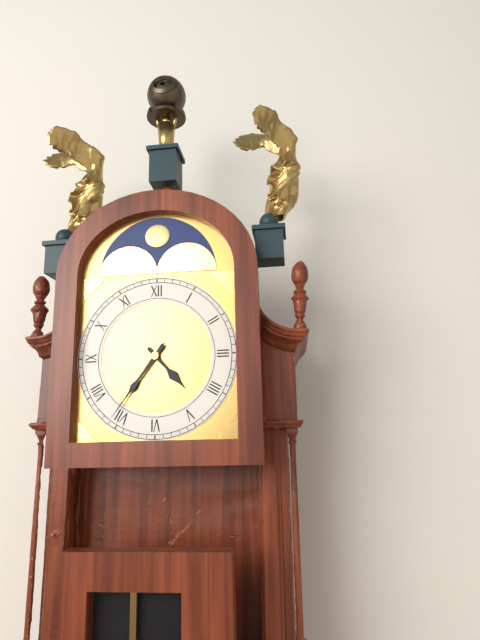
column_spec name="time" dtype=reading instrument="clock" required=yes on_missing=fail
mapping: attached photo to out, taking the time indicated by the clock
4:36
